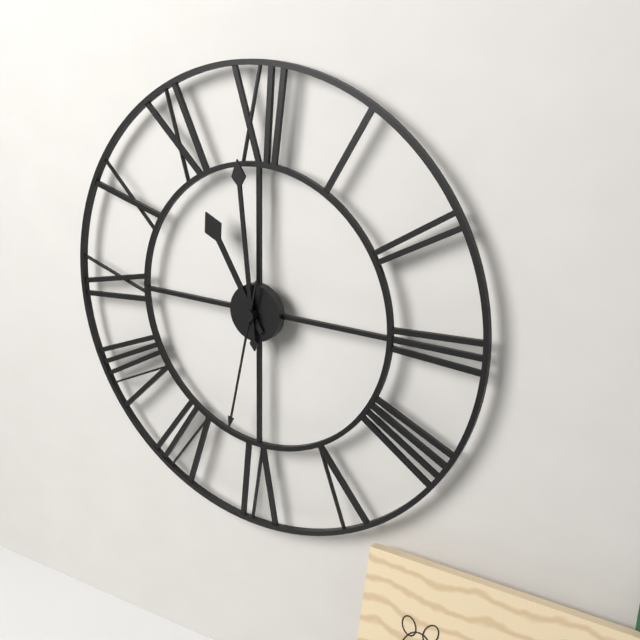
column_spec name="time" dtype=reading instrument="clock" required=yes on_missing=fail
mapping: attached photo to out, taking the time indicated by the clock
10:59:32
